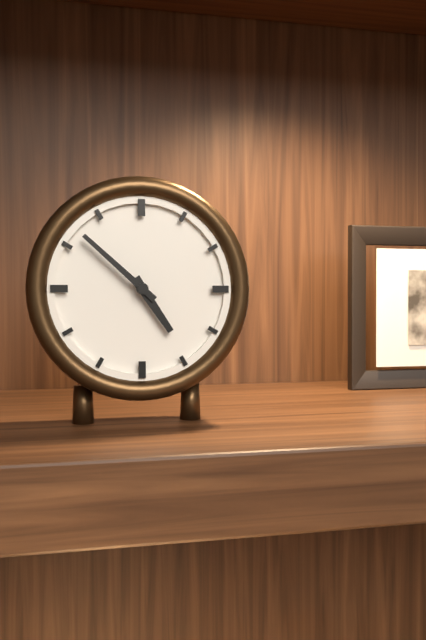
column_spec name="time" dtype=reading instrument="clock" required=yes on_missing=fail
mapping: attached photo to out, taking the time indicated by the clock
4:52
